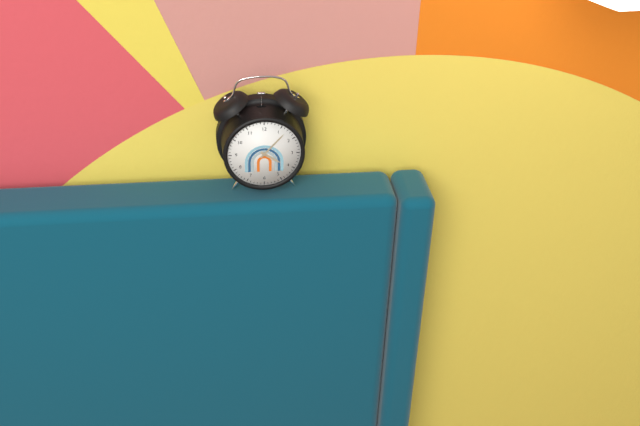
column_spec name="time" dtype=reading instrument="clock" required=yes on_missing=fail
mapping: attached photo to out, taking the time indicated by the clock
4:07
